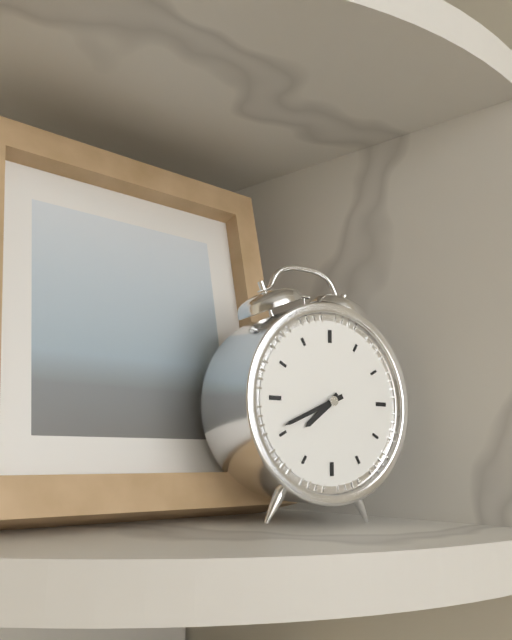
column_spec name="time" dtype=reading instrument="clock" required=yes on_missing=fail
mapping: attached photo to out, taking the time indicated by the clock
7:41
